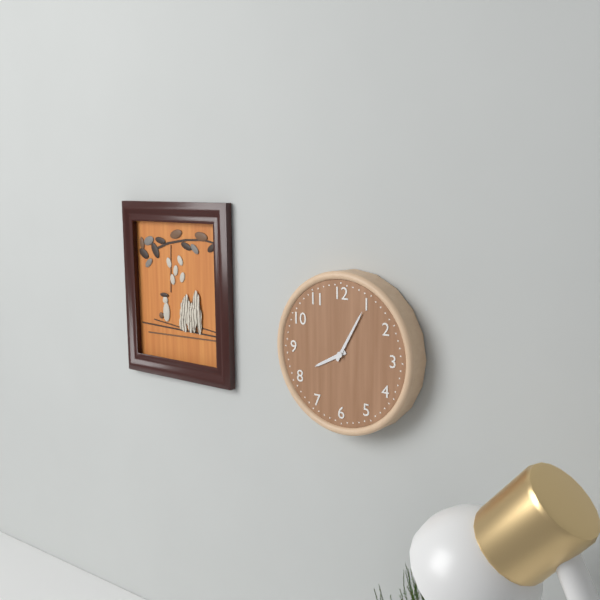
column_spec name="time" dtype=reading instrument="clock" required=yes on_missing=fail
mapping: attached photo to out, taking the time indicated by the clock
8:05
